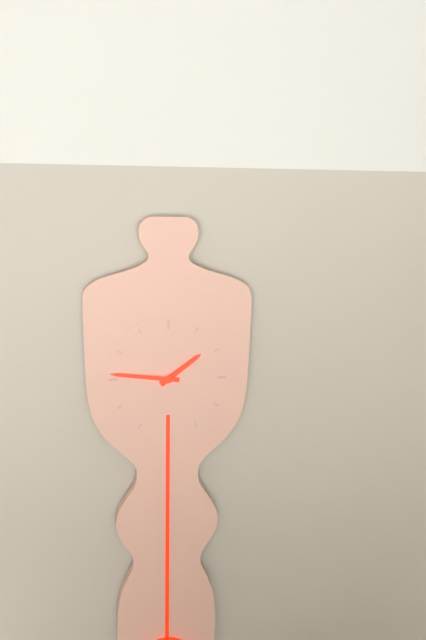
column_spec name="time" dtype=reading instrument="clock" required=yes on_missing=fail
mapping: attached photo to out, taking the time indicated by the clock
1:46
